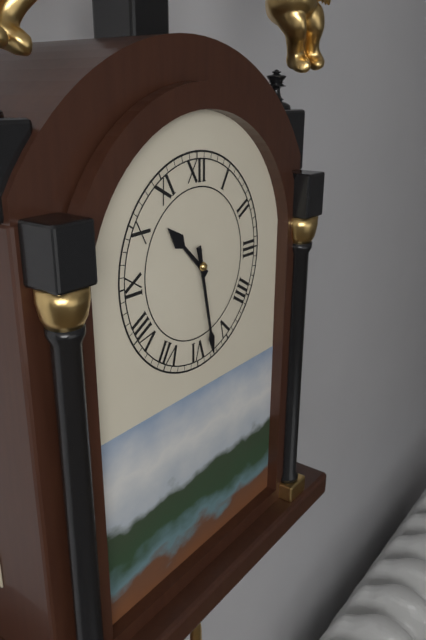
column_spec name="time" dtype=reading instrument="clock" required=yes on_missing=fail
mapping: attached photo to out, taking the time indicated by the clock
10:28
